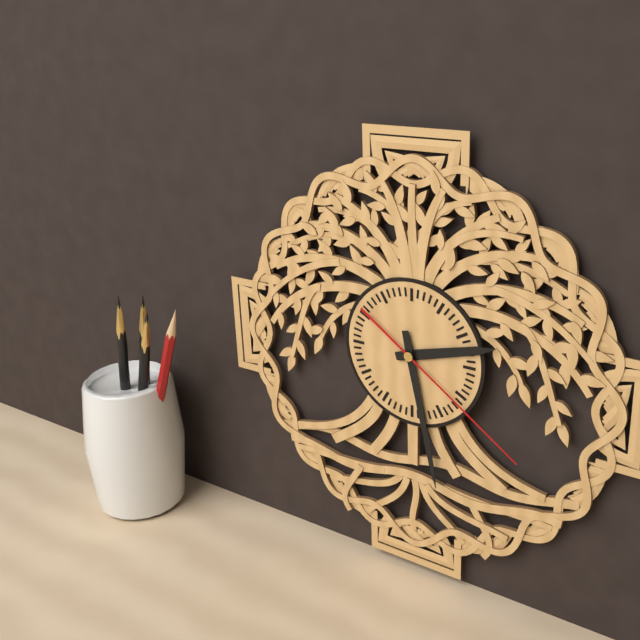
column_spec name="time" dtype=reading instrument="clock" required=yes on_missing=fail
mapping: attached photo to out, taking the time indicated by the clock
2:28:21
